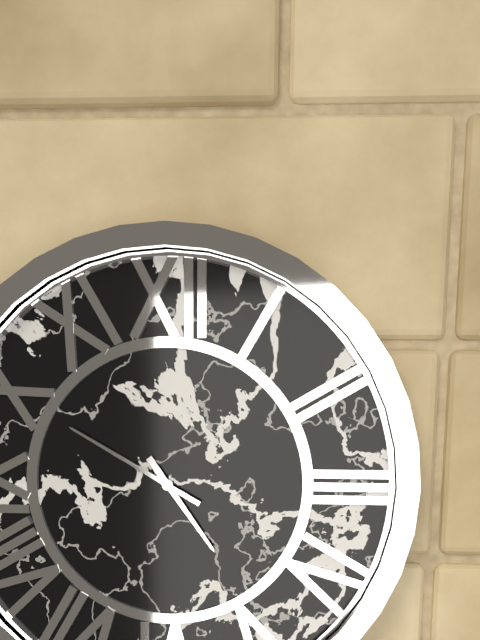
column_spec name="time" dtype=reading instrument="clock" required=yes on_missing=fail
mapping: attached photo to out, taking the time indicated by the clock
4:50
